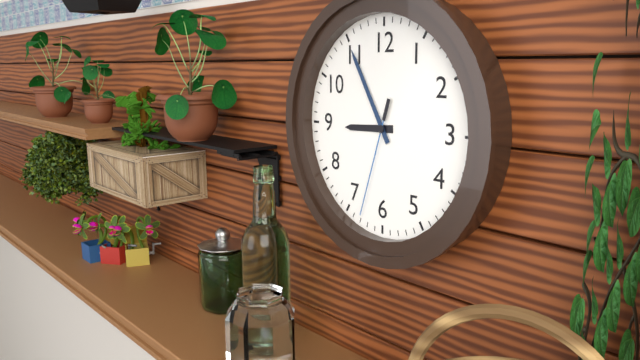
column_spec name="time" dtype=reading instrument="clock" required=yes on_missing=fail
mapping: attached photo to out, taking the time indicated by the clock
8:55:33
